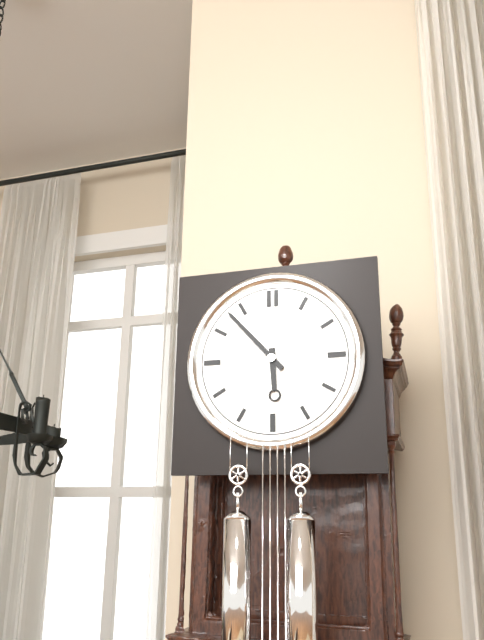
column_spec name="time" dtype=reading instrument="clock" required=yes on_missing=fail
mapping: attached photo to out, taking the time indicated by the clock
5:53
